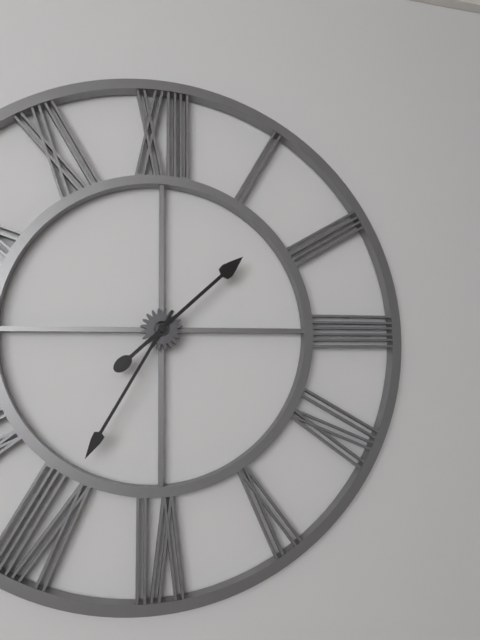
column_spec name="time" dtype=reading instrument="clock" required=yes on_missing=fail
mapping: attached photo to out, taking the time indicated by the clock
1:35
